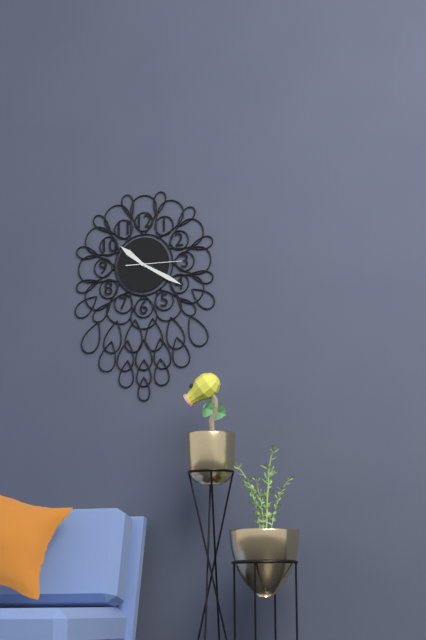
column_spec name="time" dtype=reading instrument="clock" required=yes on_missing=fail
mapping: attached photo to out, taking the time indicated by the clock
10:20
